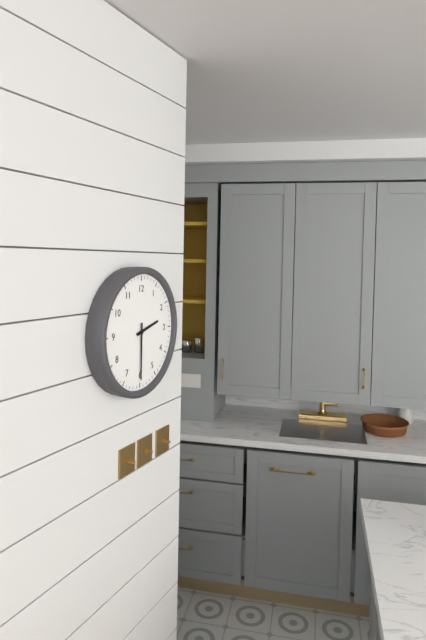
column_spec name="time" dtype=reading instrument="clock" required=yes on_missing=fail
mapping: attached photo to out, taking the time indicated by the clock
2:30
